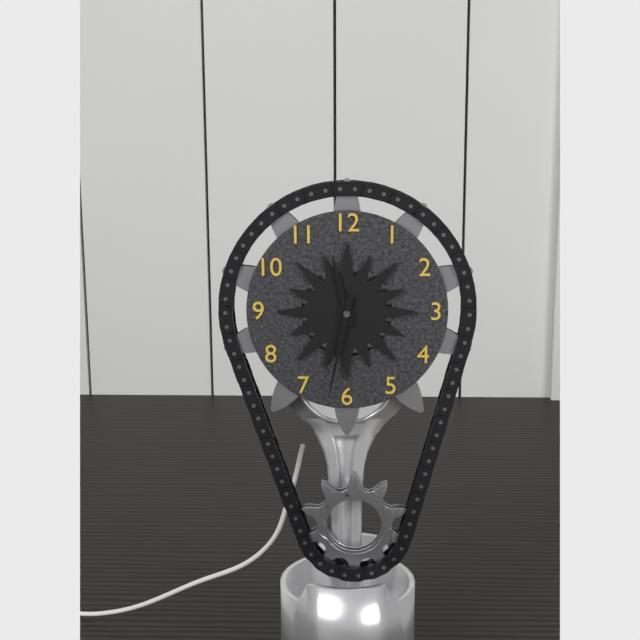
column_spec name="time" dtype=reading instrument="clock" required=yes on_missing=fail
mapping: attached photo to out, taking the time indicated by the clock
11:32
